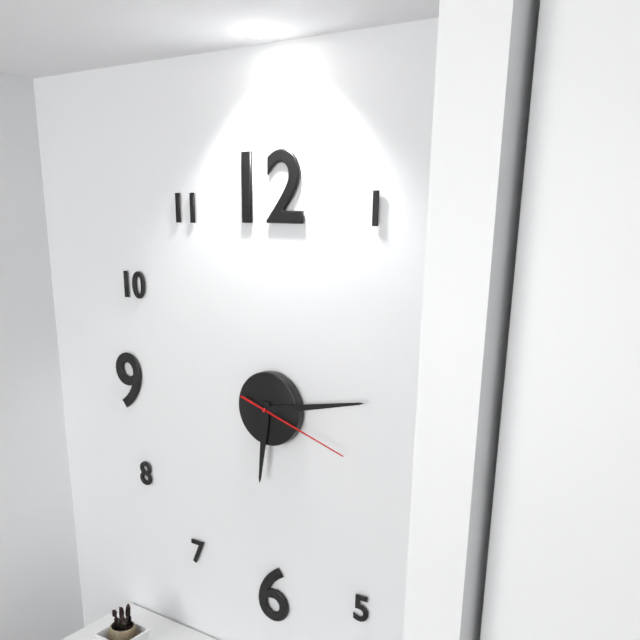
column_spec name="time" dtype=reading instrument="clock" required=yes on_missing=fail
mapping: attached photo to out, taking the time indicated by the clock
6:13:18
